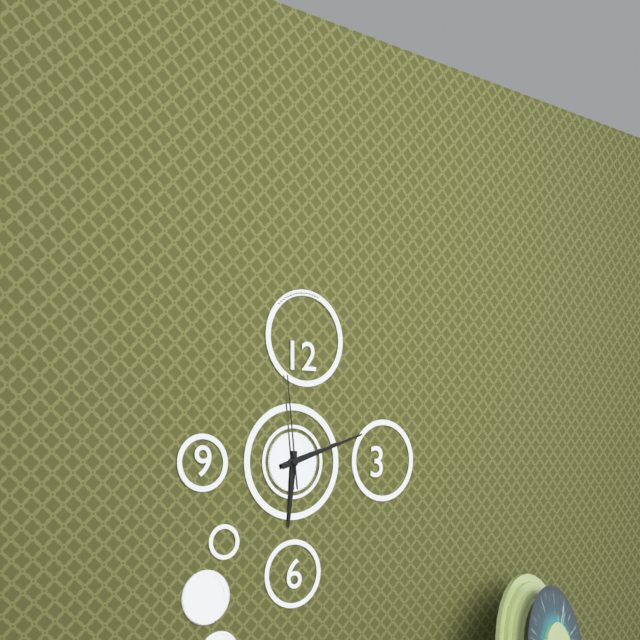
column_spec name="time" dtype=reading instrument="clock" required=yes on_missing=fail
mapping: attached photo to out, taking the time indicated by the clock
6:12:59
